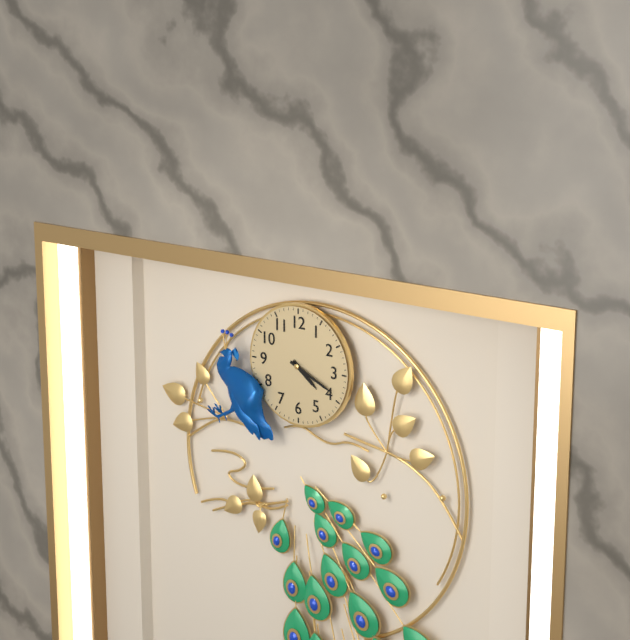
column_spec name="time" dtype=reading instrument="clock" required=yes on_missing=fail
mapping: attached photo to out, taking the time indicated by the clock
4:19
